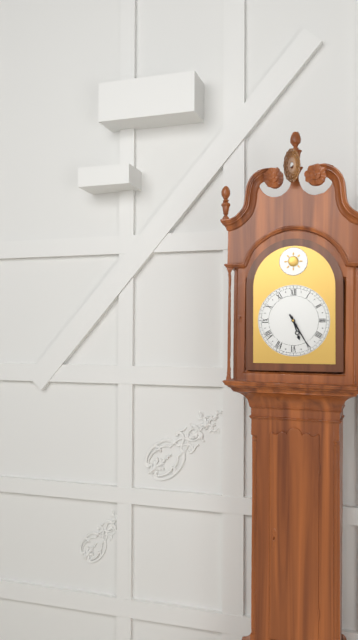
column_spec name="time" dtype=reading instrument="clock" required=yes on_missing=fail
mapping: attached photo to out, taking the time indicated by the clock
5:25
